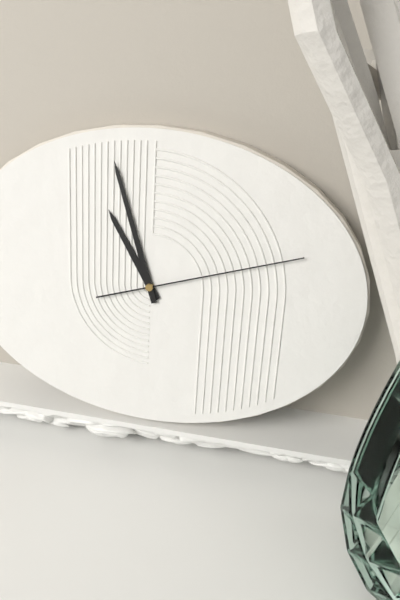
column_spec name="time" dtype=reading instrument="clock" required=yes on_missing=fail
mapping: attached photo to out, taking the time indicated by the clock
10:57:12
